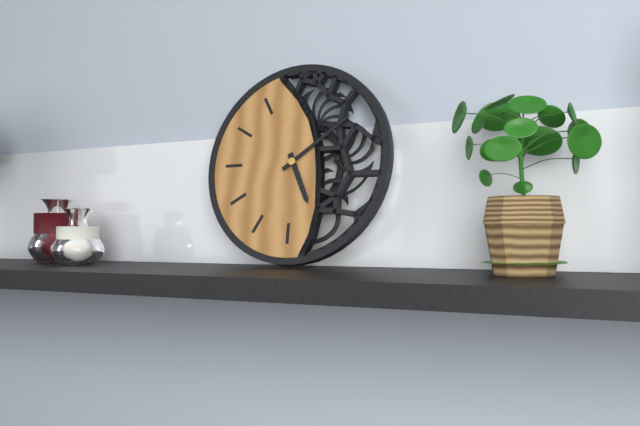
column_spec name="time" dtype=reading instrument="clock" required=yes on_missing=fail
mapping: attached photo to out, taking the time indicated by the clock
5:09
